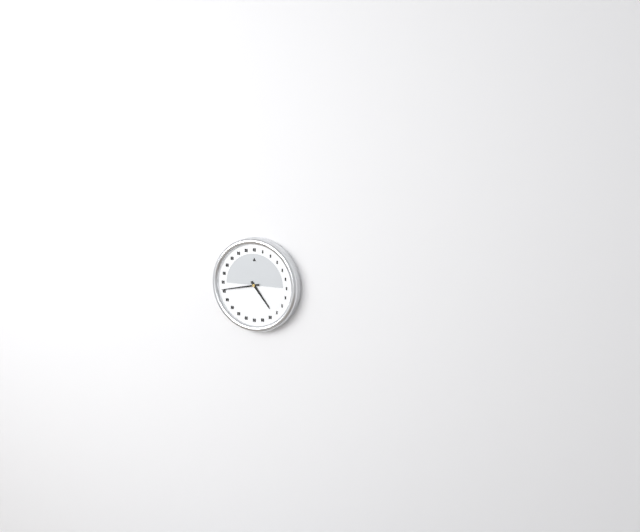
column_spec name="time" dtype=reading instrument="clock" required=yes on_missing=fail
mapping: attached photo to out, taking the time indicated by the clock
4:43
